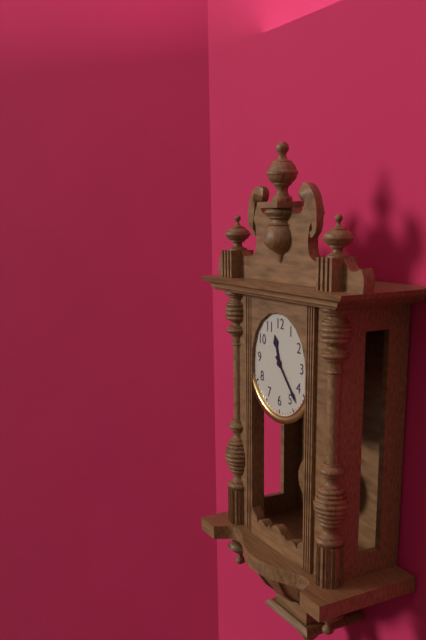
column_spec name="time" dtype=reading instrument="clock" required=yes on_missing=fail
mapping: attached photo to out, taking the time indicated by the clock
11:23
